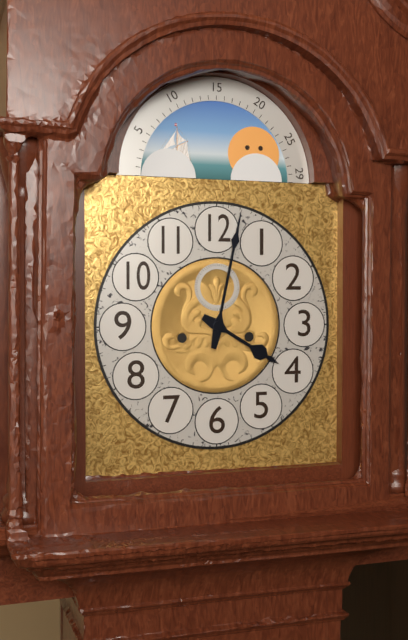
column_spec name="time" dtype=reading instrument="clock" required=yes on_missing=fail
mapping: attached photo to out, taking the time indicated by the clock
4:02
